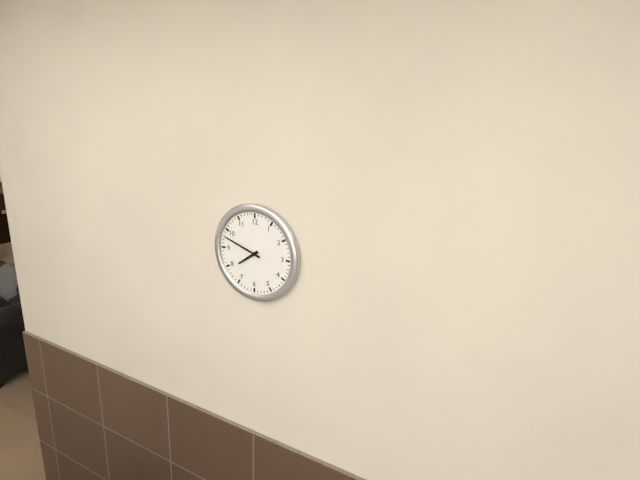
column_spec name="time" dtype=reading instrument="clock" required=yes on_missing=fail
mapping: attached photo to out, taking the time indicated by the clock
7:48
